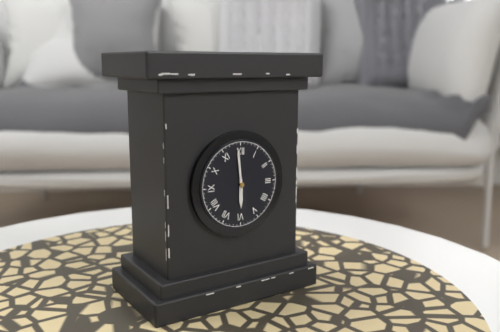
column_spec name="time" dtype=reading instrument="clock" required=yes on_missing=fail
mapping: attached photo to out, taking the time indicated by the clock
5:59
